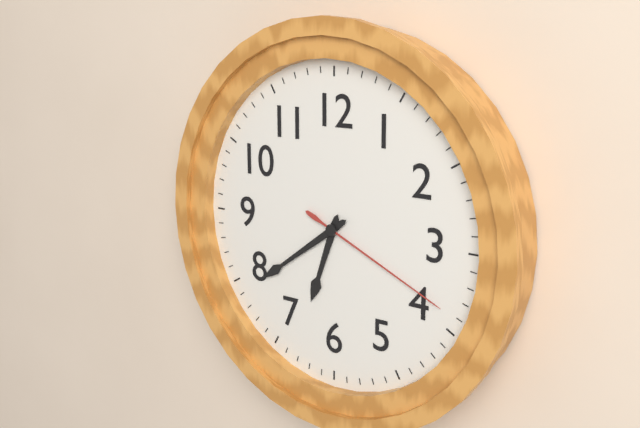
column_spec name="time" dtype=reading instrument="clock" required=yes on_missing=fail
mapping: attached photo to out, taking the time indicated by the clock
6:39:19
